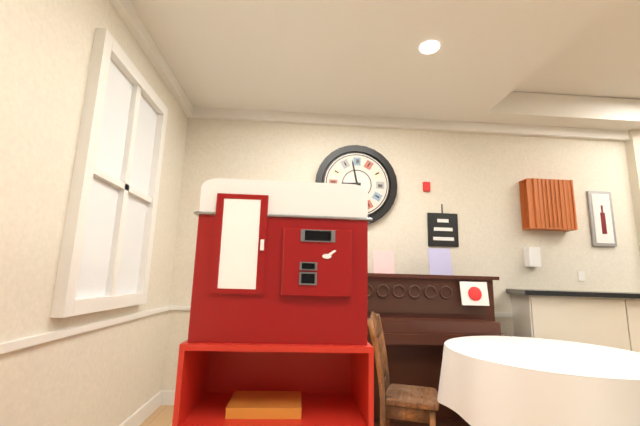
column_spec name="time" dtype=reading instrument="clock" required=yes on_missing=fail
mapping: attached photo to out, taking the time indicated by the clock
8:58
